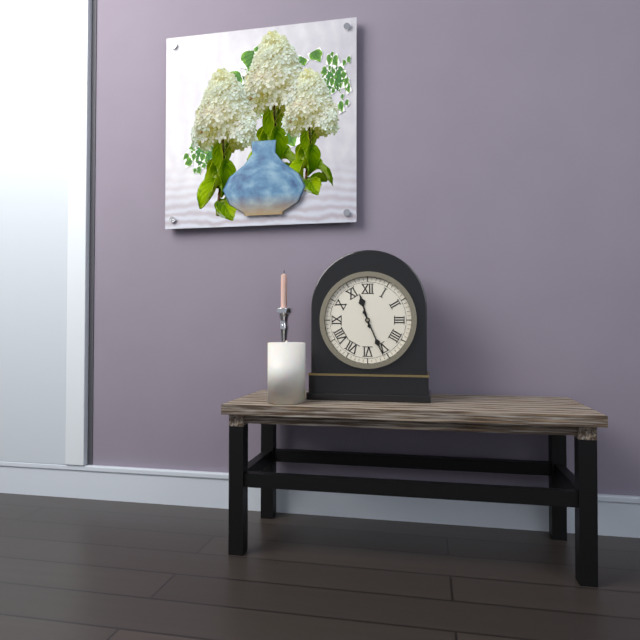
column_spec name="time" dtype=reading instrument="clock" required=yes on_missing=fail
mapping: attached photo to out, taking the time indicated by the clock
11:26
